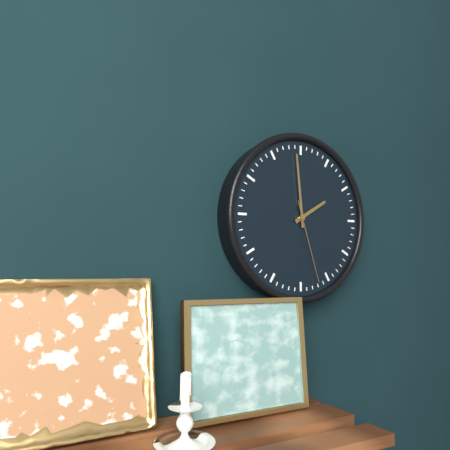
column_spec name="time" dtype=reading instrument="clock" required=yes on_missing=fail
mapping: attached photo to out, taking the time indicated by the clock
1:59:27
